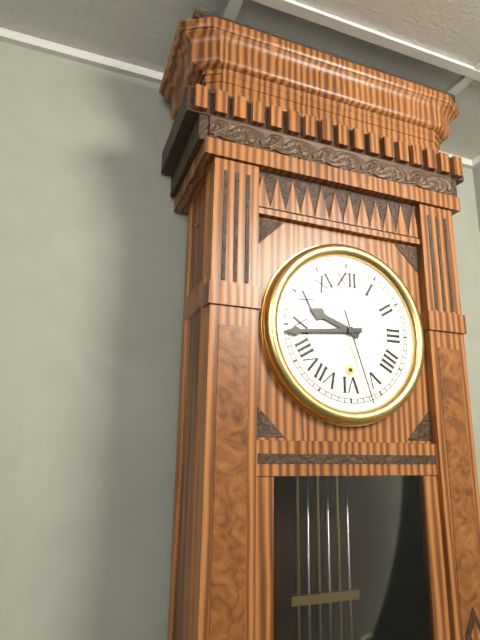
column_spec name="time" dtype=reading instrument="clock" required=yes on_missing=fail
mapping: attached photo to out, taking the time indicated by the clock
9:44:27
